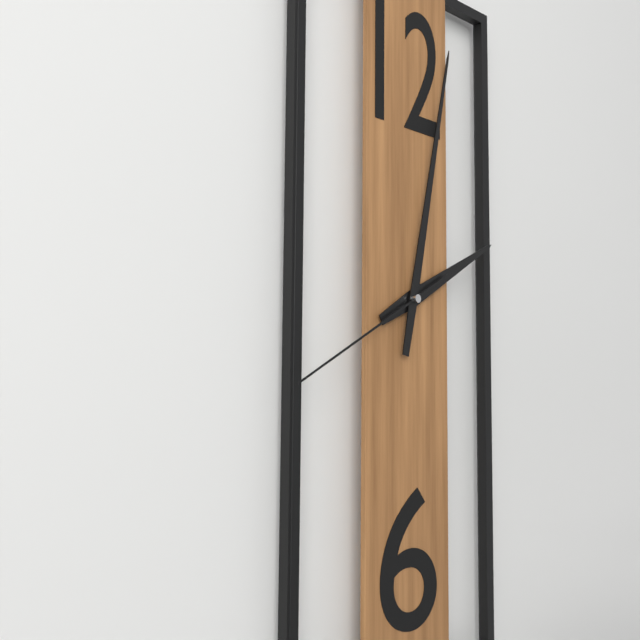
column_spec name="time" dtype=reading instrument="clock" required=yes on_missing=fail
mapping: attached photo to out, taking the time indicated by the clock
2:02:40
